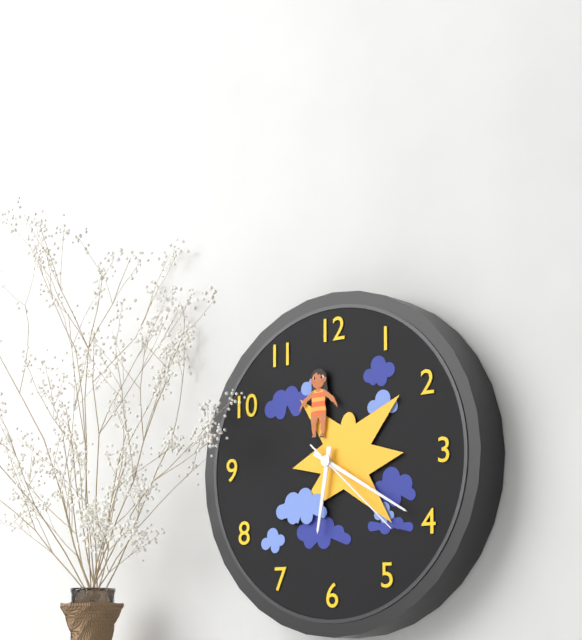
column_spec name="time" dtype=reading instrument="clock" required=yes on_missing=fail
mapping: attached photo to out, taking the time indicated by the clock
6:20:22
